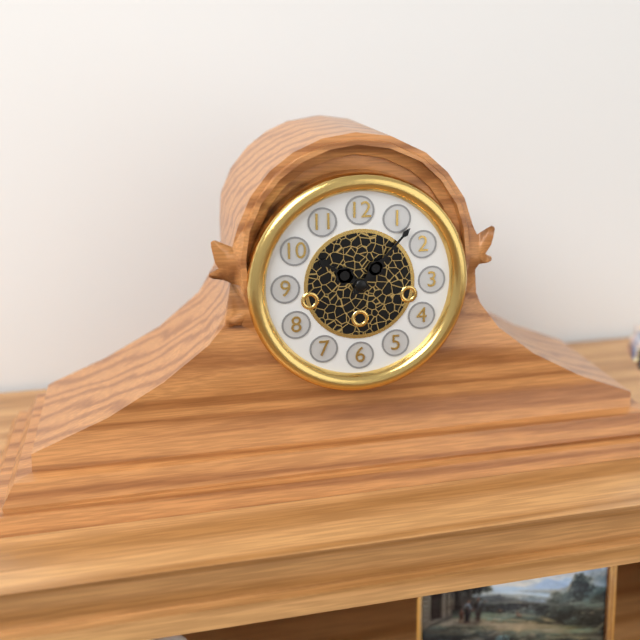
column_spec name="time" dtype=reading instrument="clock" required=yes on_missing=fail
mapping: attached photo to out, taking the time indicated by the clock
10:07
